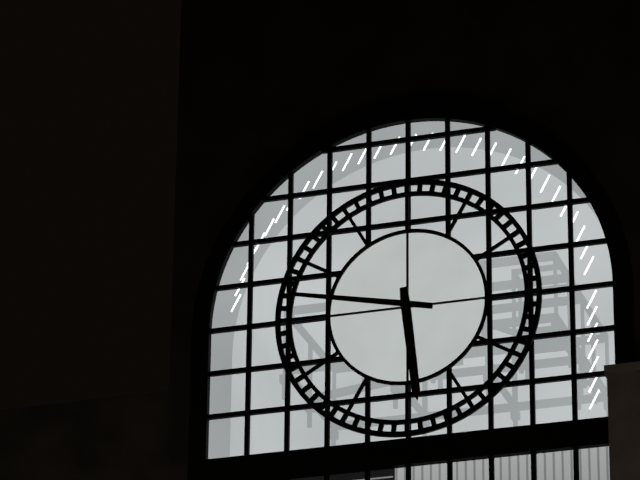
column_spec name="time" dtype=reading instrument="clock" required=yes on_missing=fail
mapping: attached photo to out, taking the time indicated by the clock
5:47
